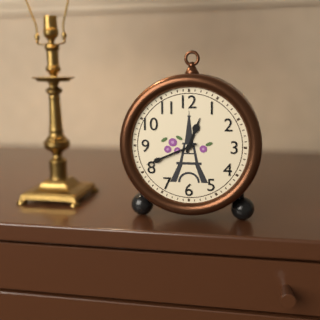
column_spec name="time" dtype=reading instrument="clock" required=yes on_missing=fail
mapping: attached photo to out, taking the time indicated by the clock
12:41
